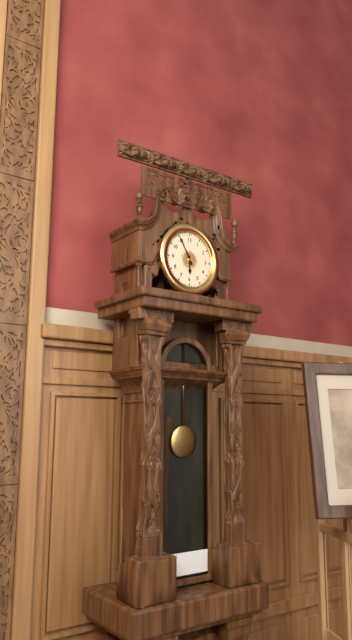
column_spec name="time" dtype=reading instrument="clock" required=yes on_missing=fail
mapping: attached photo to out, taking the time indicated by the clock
5:55
